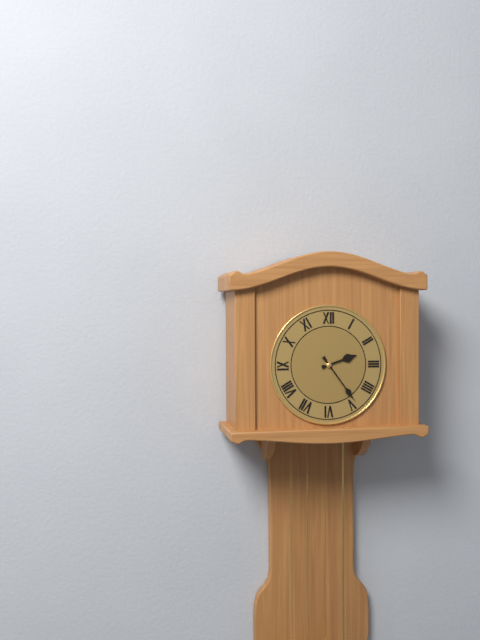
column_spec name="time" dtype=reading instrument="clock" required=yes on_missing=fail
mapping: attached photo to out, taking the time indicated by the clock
2:24
